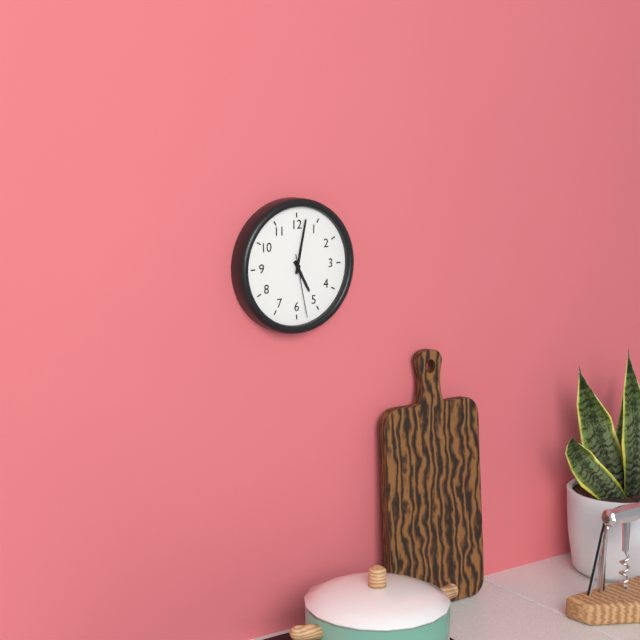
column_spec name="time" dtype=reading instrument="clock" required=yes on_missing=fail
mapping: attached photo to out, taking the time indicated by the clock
5:02:28
